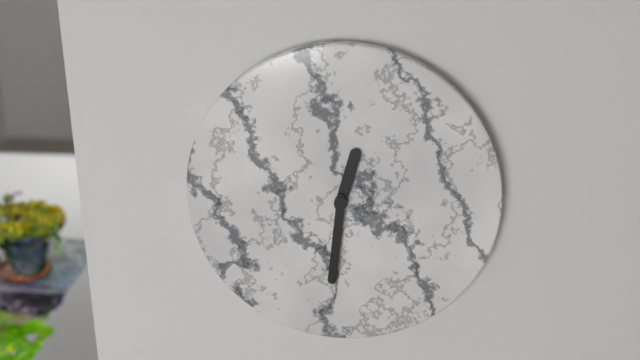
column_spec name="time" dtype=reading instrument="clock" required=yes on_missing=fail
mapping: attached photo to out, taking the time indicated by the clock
12:31
